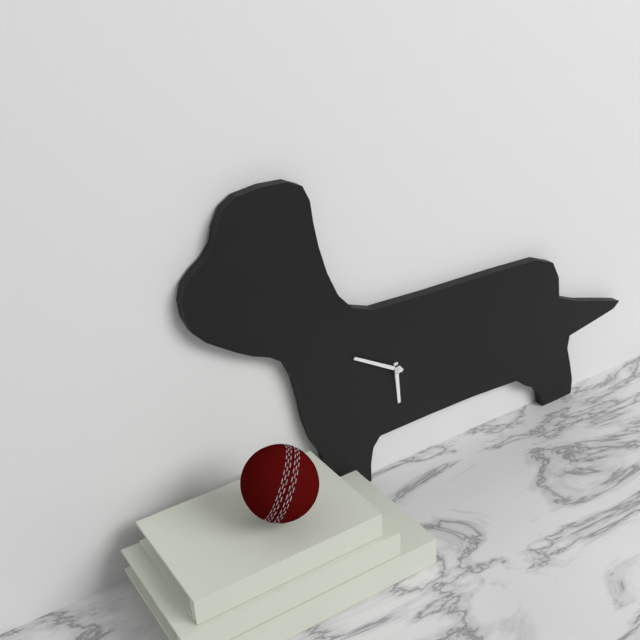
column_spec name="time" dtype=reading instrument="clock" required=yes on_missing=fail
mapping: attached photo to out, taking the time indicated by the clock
5:50
